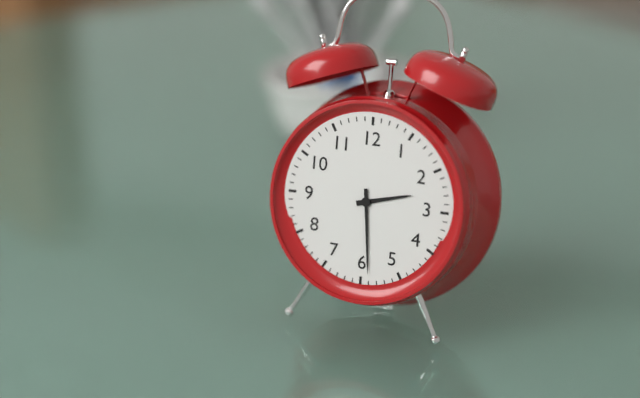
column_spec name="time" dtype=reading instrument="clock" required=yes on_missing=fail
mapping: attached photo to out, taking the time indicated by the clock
2:29
